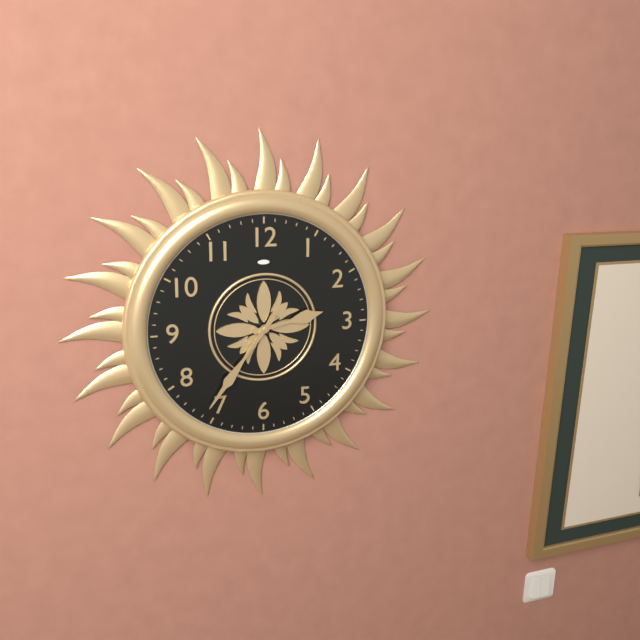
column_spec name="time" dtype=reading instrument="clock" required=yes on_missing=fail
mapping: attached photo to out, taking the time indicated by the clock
2:36
